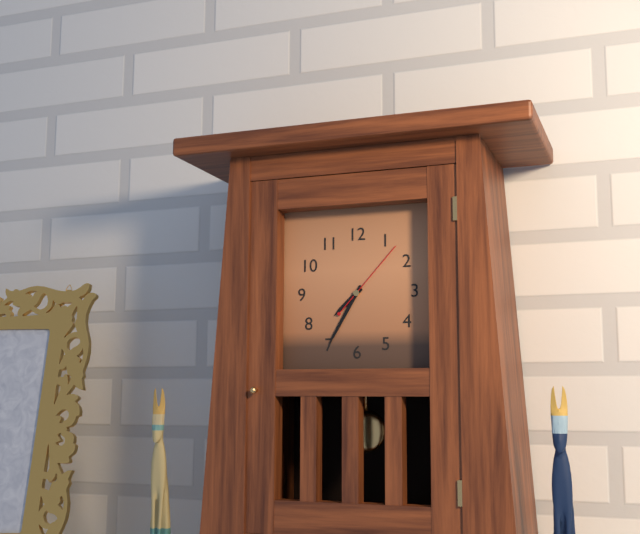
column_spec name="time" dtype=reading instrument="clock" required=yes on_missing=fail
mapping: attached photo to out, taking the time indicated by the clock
7:35:07
